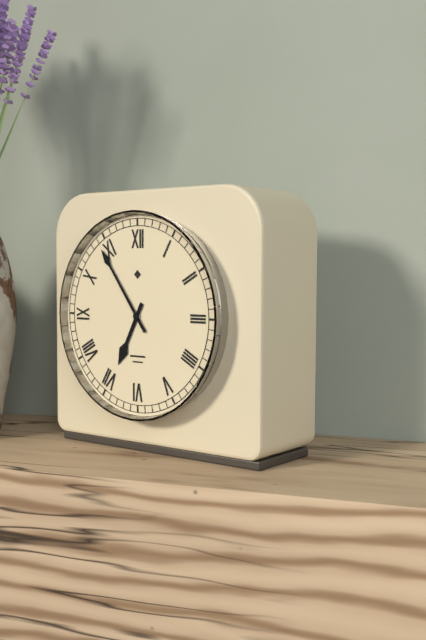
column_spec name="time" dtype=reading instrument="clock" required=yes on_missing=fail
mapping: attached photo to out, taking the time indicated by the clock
6:54
